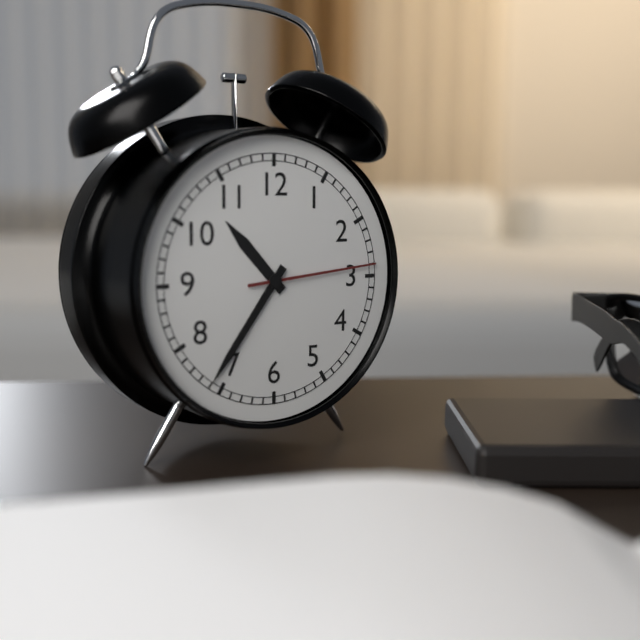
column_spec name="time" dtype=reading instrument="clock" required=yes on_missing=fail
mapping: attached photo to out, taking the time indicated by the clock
10:36:14
